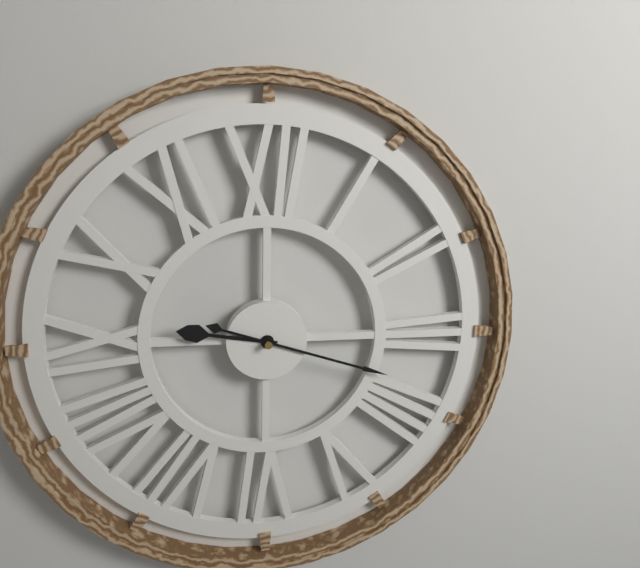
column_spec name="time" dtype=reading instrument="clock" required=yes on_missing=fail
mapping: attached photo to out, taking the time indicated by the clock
9:18
